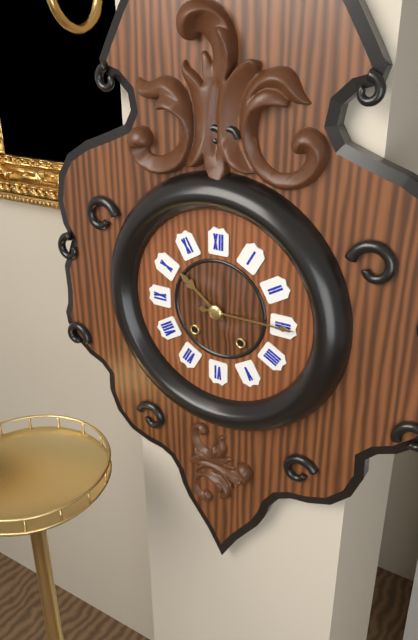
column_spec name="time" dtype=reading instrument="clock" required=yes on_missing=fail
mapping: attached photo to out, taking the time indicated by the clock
10:15
